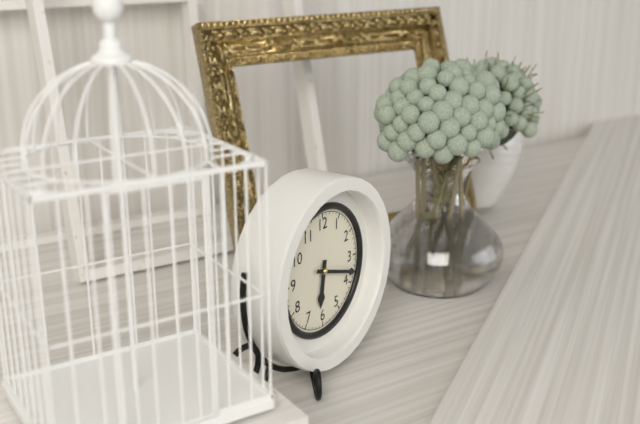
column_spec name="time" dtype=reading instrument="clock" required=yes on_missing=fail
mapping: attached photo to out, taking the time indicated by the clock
6:18
